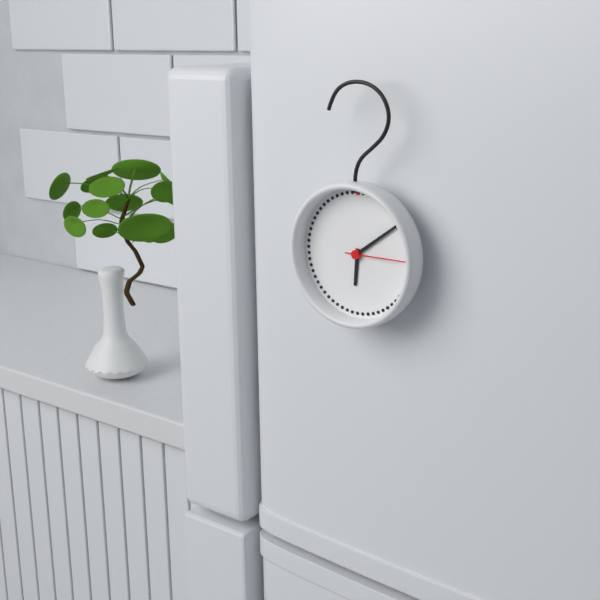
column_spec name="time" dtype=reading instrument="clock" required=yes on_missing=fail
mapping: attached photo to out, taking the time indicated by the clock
6:09:15
